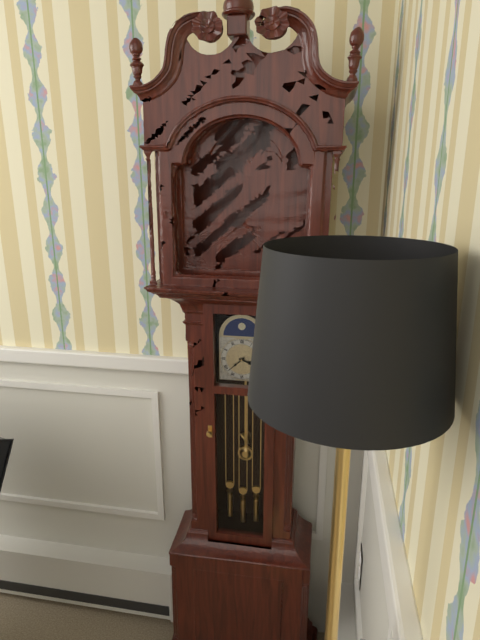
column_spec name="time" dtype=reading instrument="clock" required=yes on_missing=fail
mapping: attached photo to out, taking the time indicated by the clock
3:38
